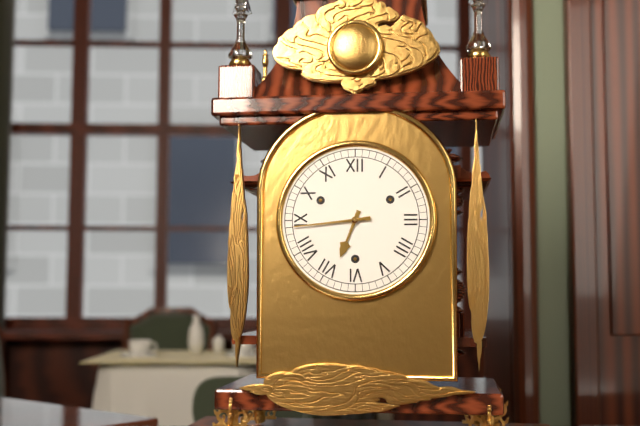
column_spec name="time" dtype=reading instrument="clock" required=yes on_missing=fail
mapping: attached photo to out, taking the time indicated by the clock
6:44
